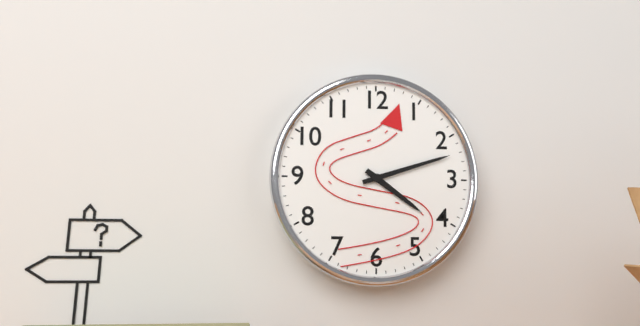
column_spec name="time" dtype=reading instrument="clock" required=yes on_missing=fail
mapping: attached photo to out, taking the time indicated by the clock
4:12
